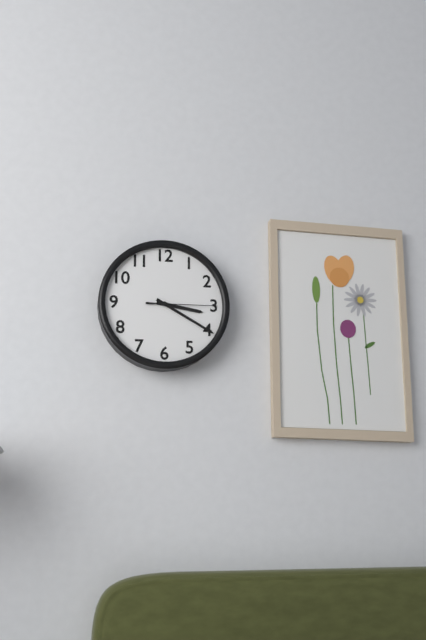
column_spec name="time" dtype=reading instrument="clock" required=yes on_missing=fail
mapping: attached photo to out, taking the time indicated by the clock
3:20:15
